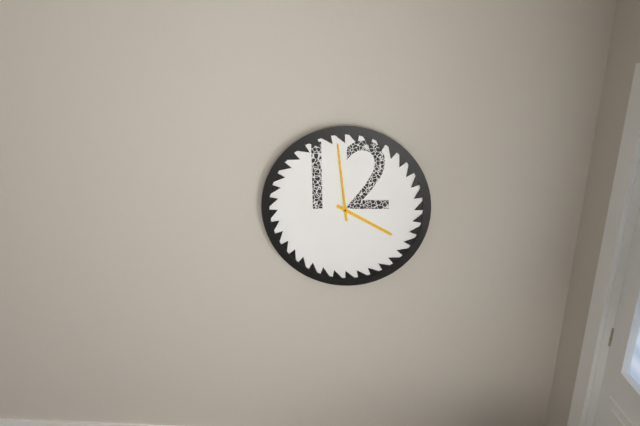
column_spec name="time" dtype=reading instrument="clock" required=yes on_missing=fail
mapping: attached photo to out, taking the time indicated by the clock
3:59
